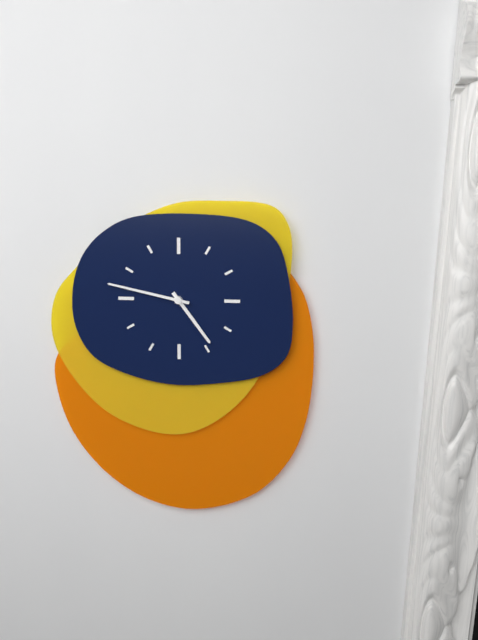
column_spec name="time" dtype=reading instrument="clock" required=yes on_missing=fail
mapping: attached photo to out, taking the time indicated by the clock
4:47
